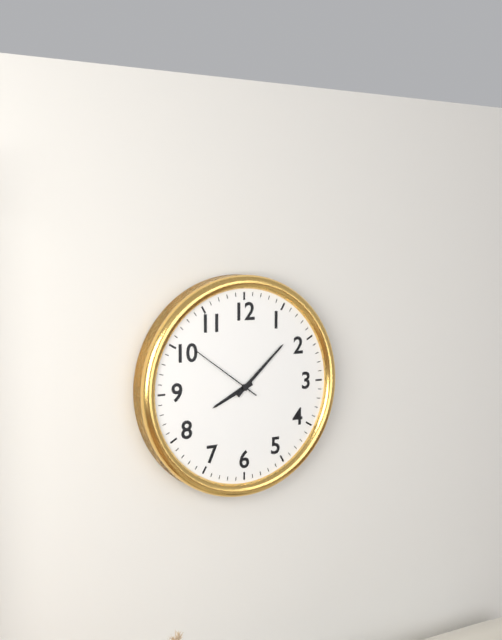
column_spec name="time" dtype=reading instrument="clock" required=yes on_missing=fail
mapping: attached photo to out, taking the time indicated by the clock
8:08:51
